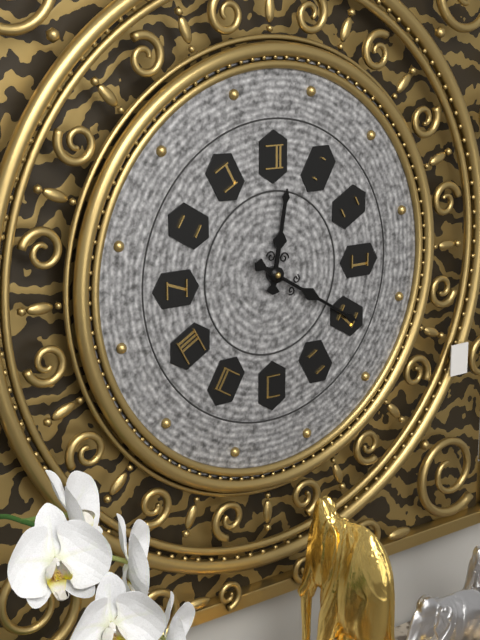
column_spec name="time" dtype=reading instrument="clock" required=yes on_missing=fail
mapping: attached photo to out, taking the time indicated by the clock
12:20
